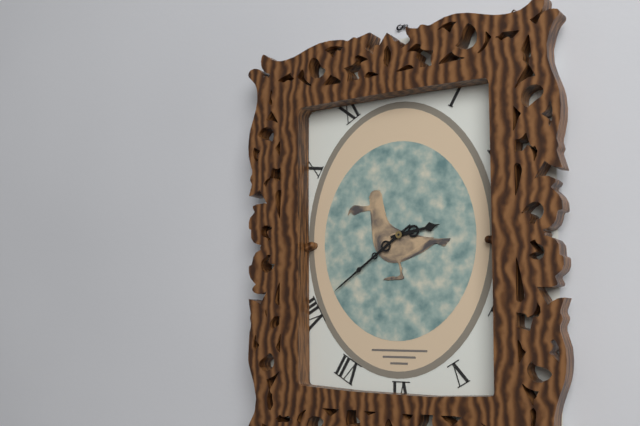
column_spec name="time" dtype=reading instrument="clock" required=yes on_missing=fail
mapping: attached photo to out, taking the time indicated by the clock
2:39
